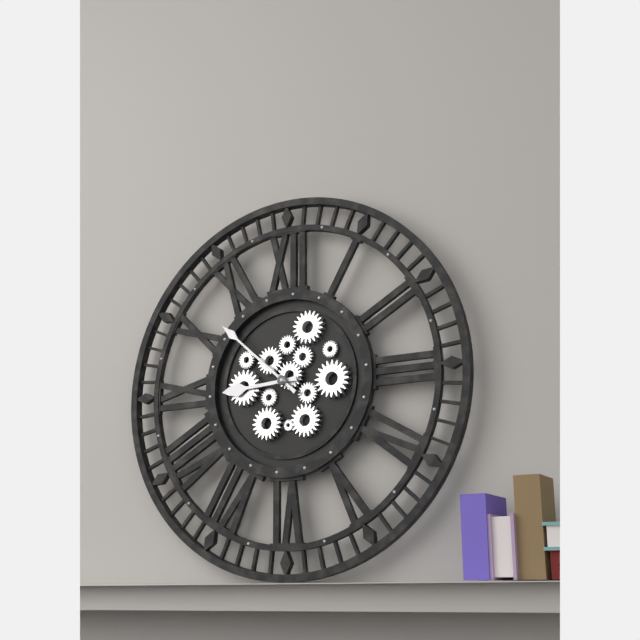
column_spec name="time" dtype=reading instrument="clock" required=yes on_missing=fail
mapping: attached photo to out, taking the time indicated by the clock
8:52
